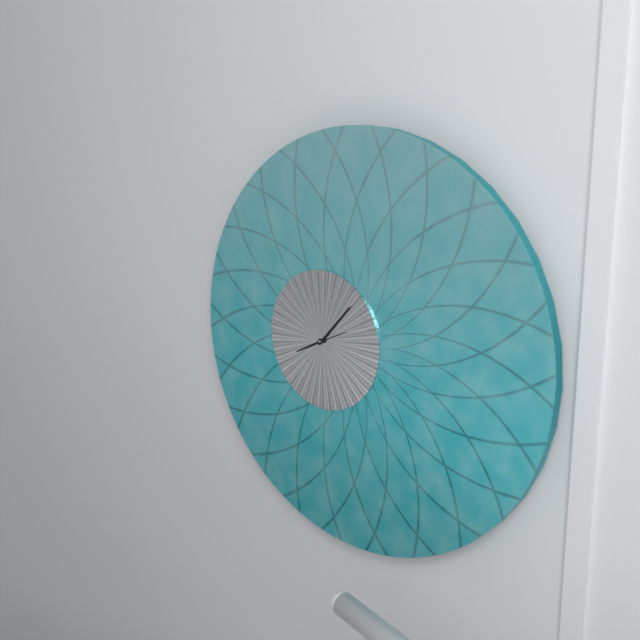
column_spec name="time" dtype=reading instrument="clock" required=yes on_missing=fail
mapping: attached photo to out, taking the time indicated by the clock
8:07
